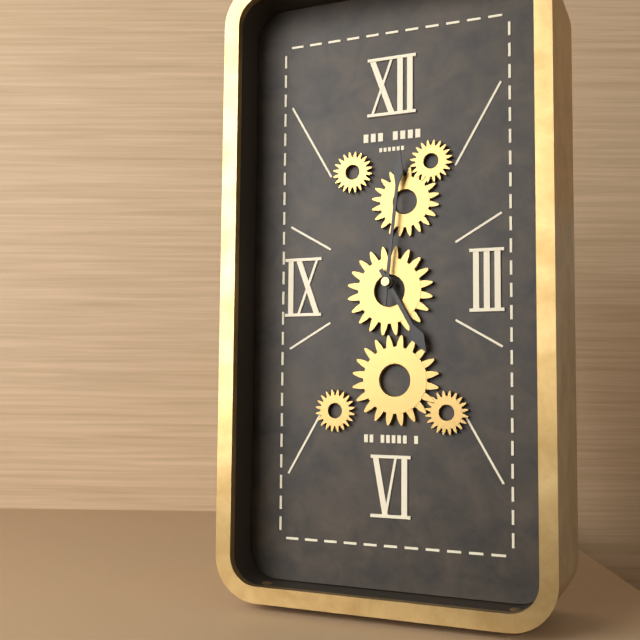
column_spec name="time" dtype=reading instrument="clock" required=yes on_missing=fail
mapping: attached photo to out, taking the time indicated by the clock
5:01
